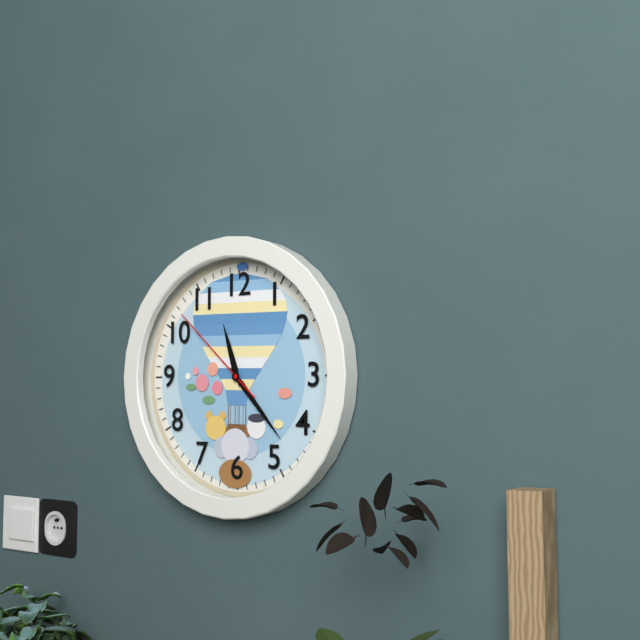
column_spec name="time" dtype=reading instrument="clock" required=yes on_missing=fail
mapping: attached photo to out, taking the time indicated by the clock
11:23:52
